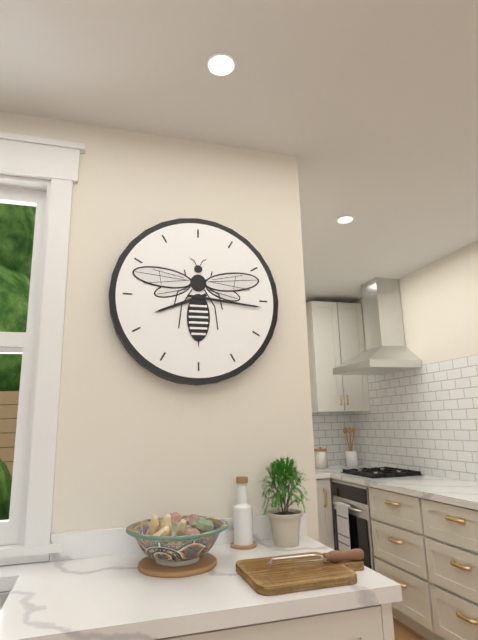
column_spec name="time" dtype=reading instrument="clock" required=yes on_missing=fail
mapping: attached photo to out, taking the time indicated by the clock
8:16
